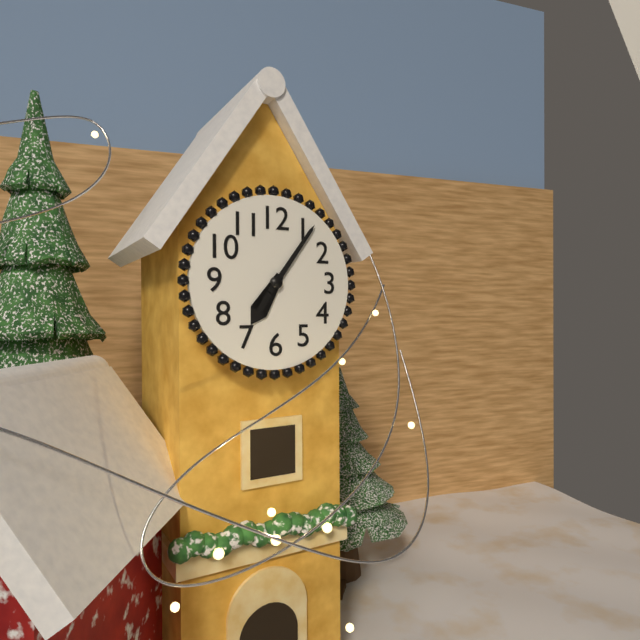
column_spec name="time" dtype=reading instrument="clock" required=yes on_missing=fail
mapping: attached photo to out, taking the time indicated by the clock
7:06
